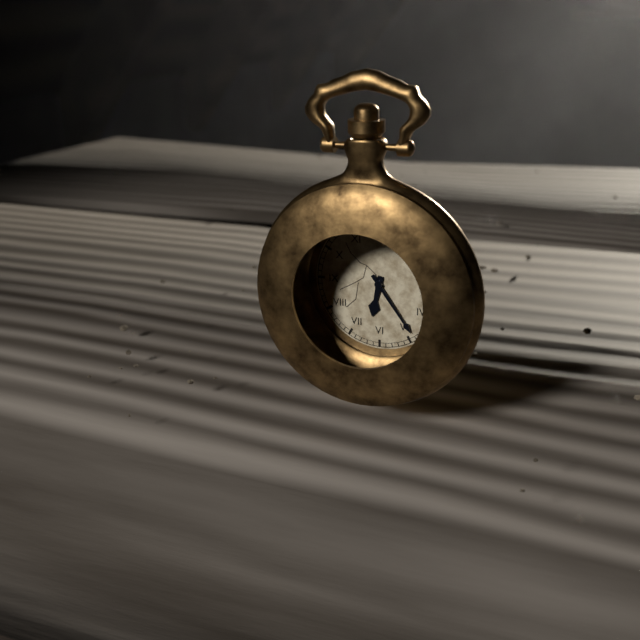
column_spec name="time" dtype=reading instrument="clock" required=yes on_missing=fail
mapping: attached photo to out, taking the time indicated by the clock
6:24
